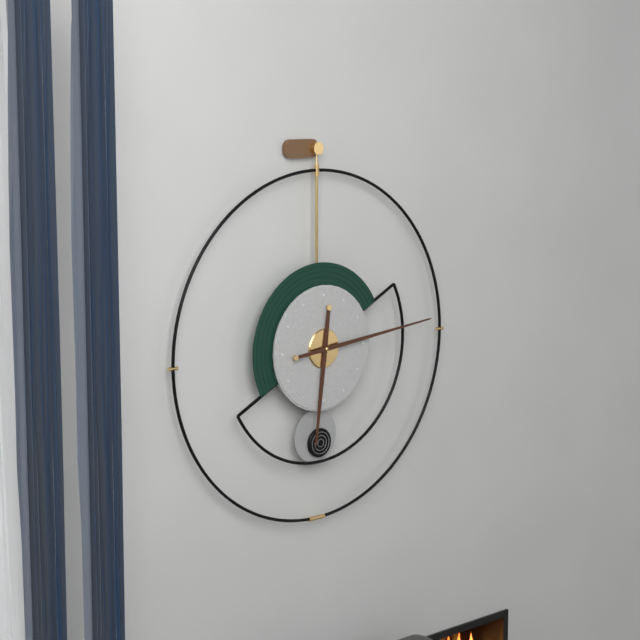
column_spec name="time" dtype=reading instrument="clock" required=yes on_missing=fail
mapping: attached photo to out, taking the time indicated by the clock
6:14
